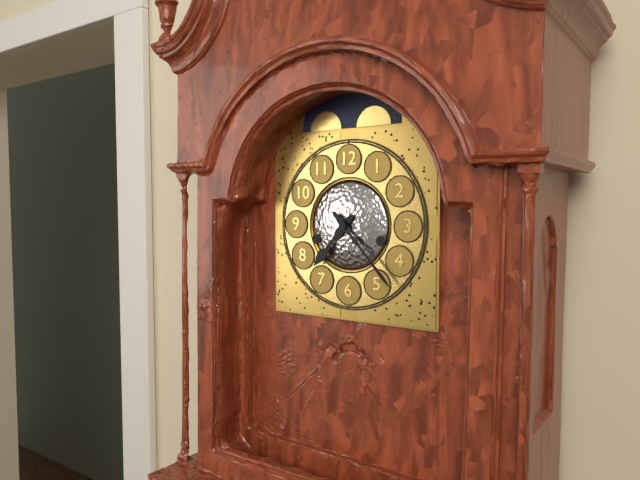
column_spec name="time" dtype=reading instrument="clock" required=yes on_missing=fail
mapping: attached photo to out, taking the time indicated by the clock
7:23
